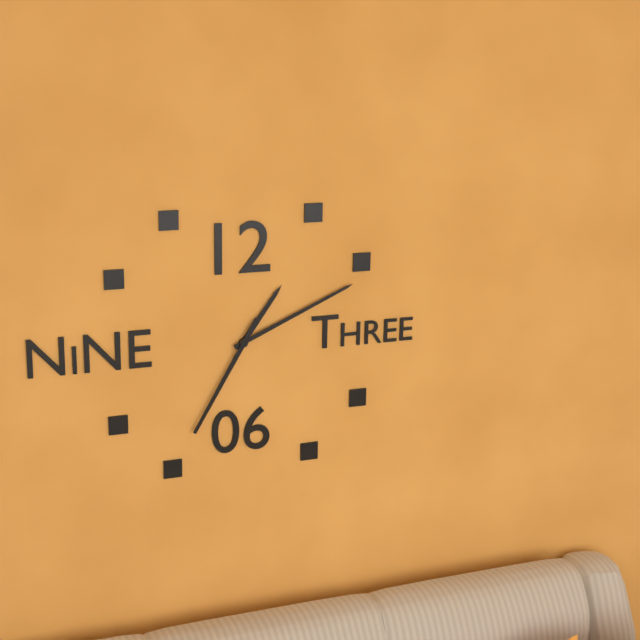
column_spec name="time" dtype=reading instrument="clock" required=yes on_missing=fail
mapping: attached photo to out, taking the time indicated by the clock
1:11:35
